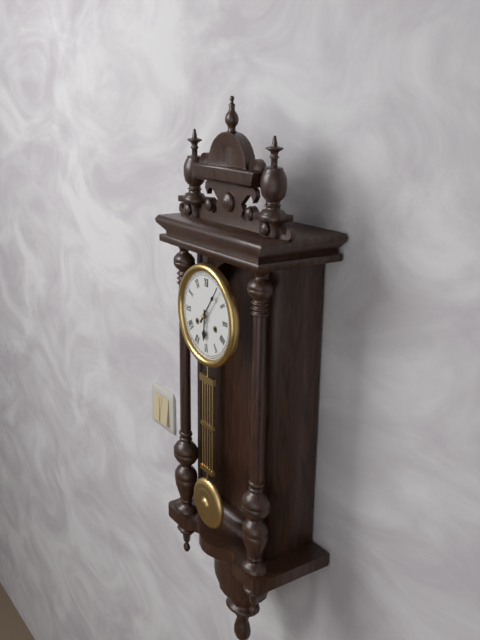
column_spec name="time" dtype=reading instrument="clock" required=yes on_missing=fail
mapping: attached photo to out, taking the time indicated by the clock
6:06
